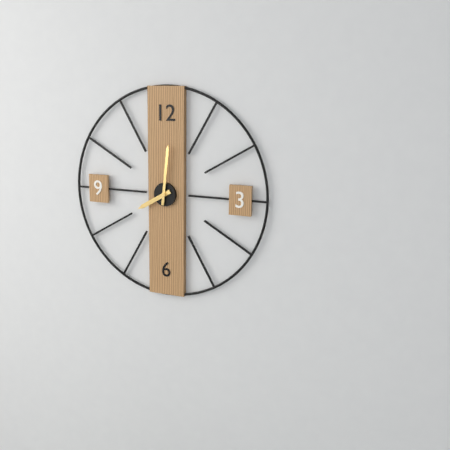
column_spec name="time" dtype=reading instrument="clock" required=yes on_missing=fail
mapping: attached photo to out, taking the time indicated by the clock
8:01
